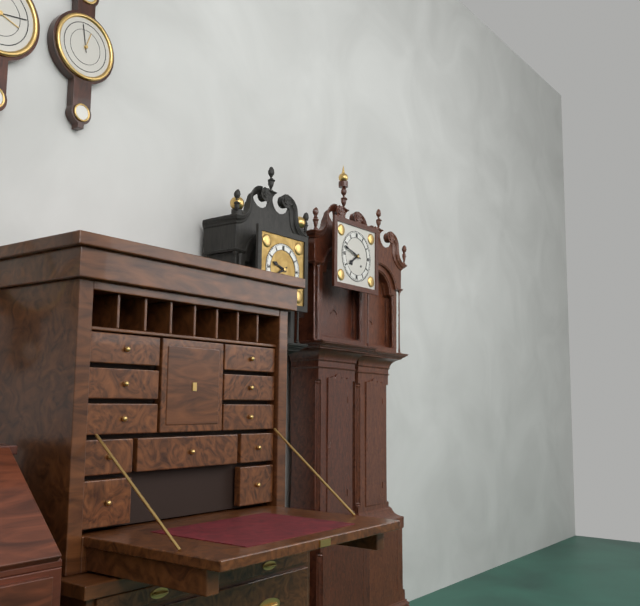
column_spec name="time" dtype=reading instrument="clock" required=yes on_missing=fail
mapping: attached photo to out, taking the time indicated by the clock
7:48
